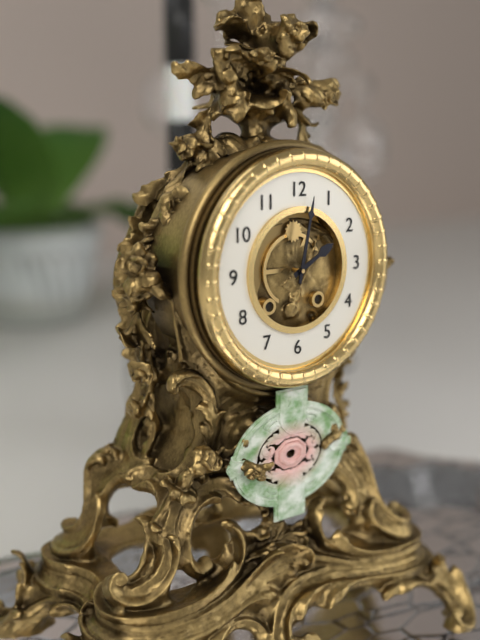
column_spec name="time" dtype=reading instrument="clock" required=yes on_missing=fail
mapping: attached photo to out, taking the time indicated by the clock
2:02
